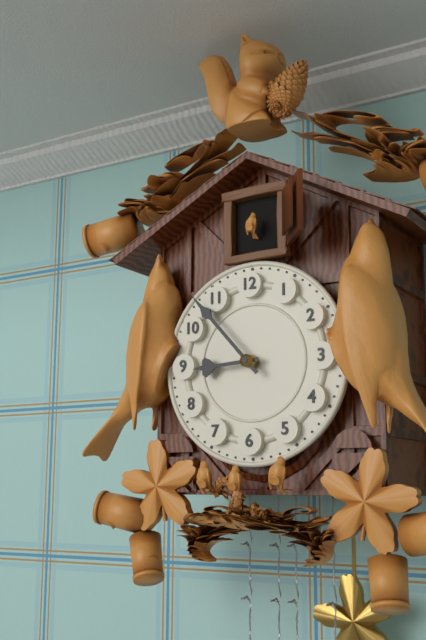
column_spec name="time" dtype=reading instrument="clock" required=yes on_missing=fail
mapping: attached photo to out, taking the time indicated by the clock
8:53
